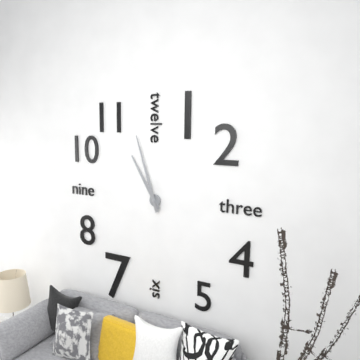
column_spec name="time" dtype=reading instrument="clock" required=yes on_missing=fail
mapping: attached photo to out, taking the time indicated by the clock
10:57
